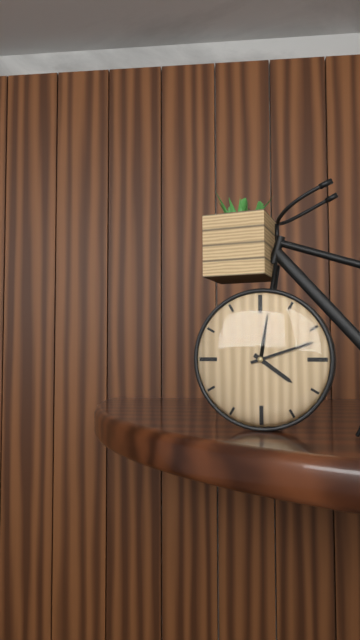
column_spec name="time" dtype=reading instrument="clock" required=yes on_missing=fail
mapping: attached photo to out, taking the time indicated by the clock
4:12
